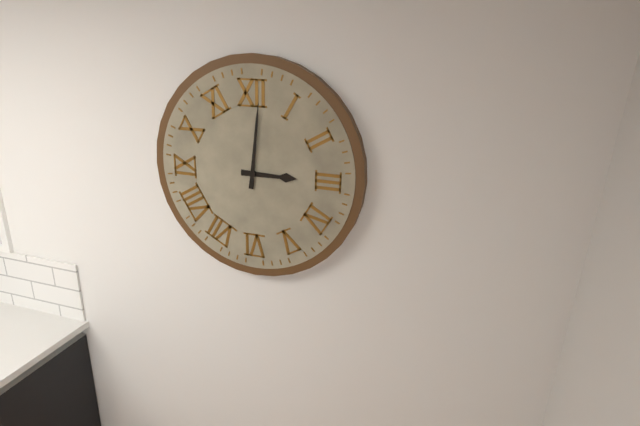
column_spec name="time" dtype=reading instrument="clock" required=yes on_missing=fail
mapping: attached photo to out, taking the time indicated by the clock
3:01
